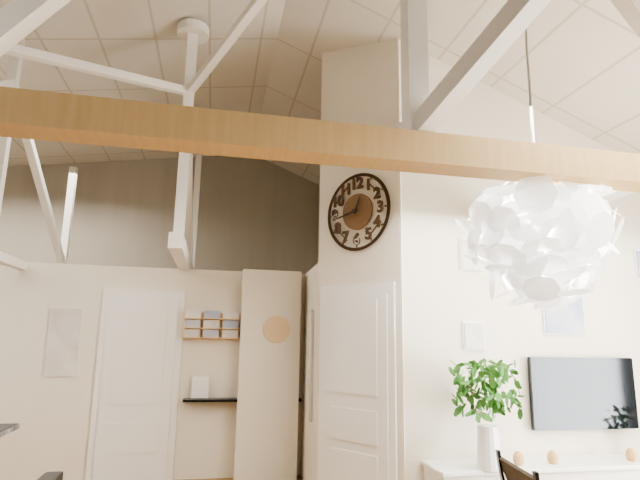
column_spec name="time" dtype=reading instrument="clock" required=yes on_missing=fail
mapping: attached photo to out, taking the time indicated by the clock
12:43
